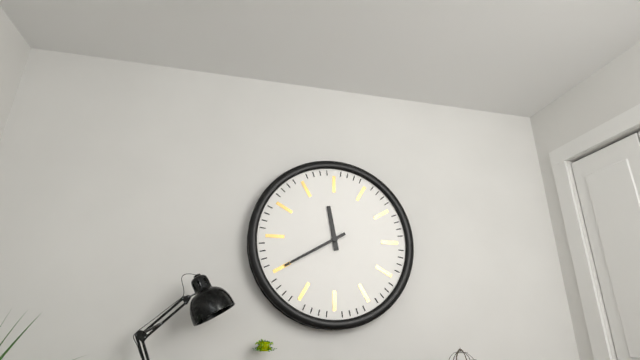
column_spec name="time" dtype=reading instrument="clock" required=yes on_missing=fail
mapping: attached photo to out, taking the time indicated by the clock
11:40
